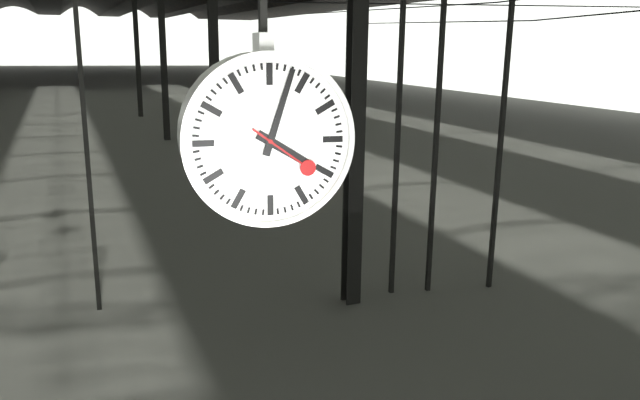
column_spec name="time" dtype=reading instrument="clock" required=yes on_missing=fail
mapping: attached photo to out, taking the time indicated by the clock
4:03:21
